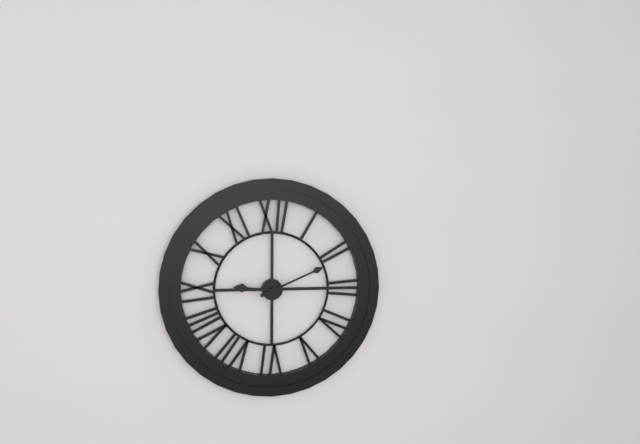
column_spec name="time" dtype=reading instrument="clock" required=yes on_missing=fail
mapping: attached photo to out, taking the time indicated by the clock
9:11
